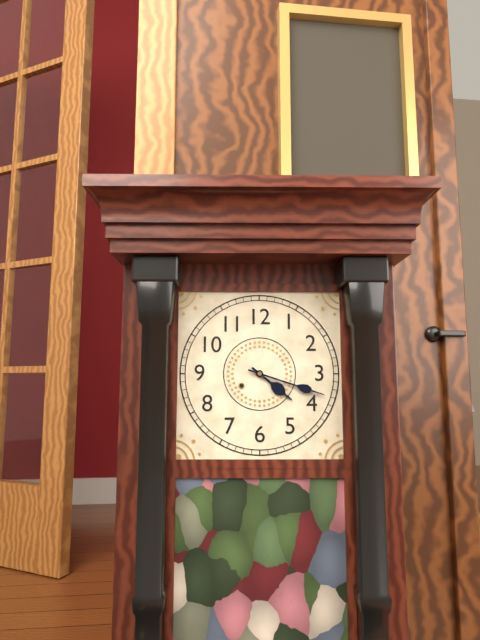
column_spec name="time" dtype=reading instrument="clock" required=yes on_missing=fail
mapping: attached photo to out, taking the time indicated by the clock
4:18
